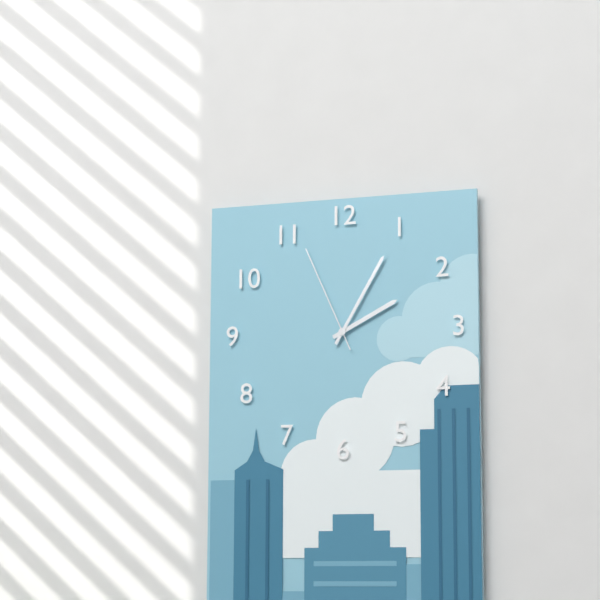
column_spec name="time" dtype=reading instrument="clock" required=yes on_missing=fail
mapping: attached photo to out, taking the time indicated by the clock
2:05:56
